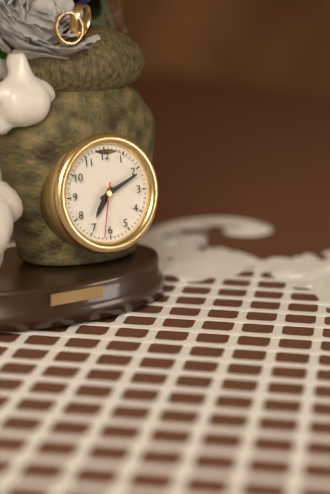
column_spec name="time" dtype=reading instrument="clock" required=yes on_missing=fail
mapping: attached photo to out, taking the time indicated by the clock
7:11:32
